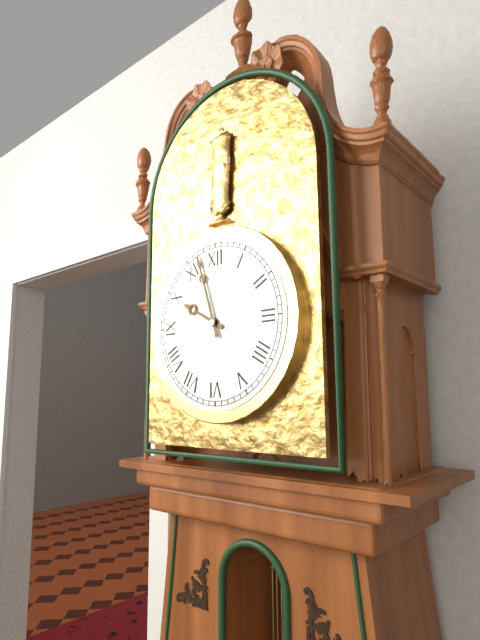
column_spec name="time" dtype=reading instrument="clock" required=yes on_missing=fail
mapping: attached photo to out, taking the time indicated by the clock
9:57
